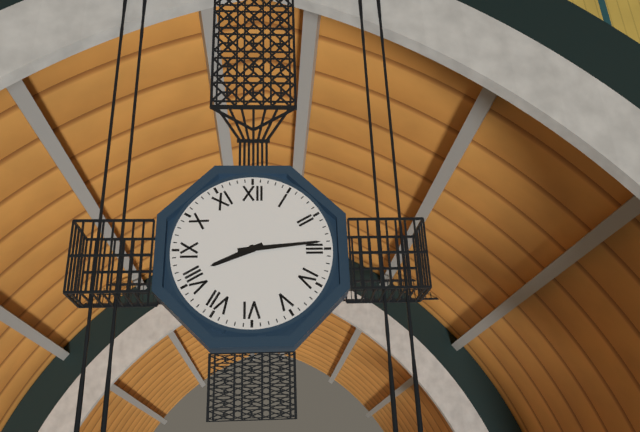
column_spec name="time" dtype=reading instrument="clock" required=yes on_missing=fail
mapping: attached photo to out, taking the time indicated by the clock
8:14
